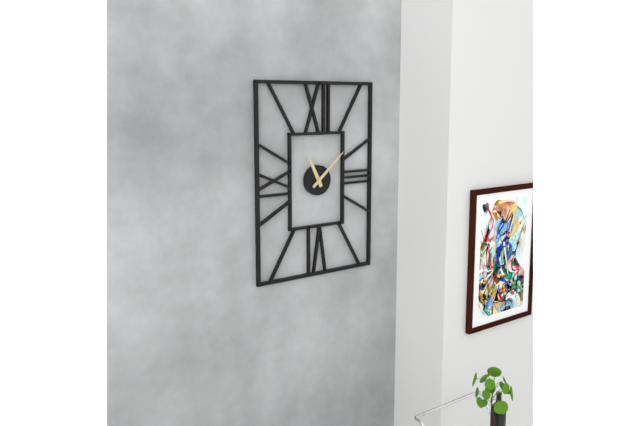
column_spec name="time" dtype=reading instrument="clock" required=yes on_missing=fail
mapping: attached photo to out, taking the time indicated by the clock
11:08
